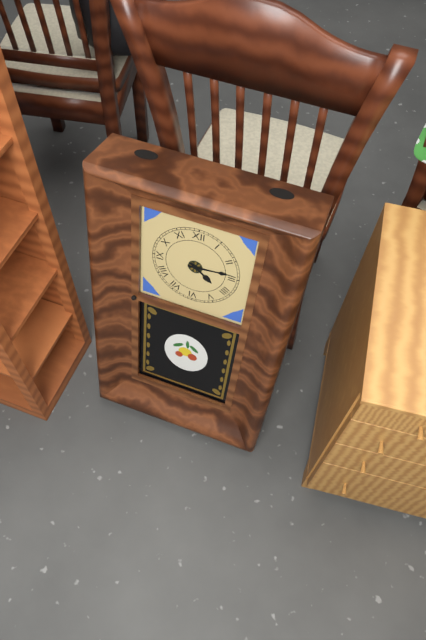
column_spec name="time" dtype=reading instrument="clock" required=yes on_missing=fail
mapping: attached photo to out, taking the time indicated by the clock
4:14
